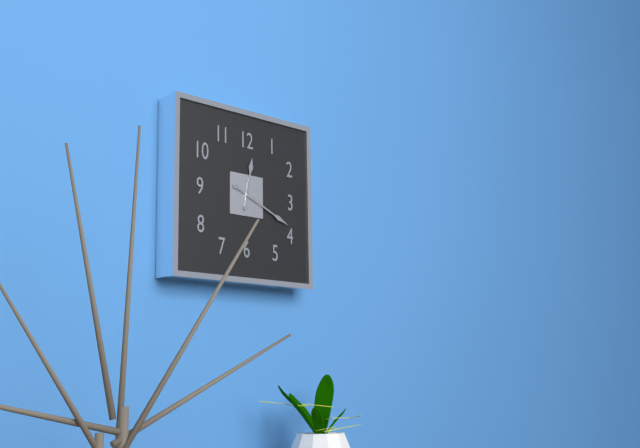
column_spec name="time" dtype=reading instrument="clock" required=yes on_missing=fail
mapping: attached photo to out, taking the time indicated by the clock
12:19
